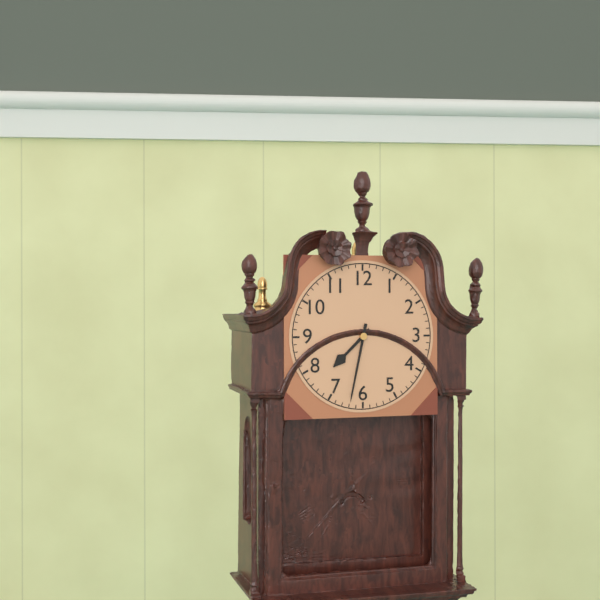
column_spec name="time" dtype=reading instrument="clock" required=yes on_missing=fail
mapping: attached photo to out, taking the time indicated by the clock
7:32
